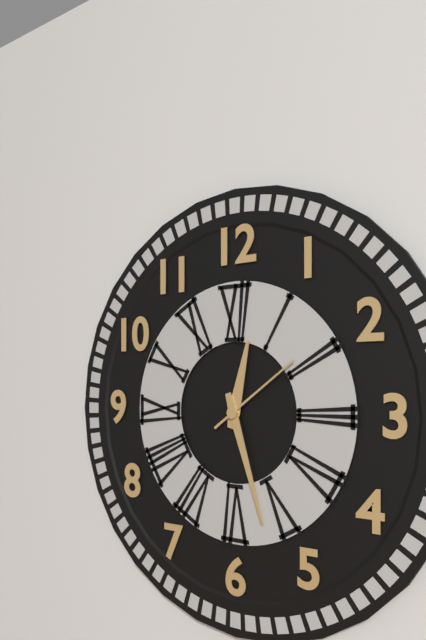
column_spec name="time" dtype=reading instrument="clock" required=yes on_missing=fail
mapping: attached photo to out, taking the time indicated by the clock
12:27:09
